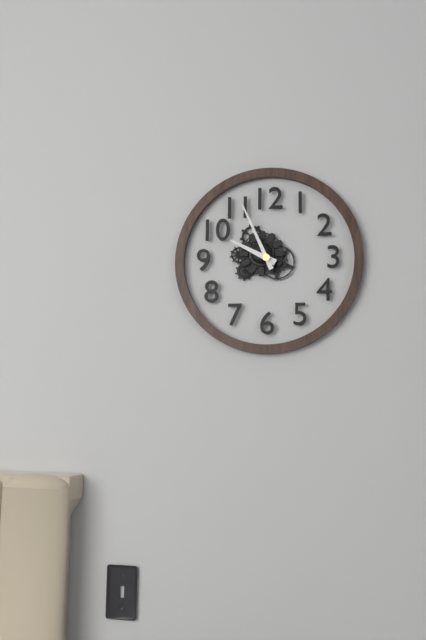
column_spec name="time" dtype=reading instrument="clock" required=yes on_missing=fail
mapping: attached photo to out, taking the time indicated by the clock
9:56
